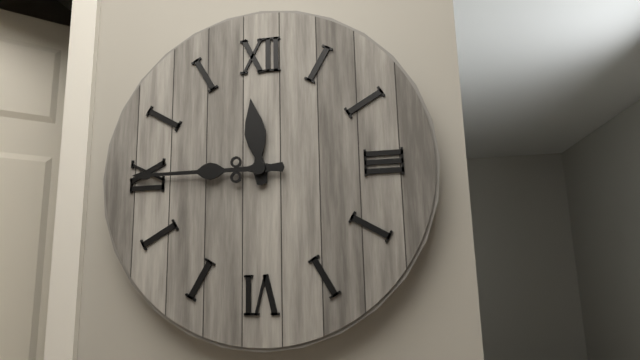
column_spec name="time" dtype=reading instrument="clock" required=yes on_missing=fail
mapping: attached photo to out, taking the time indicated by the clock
11:45
